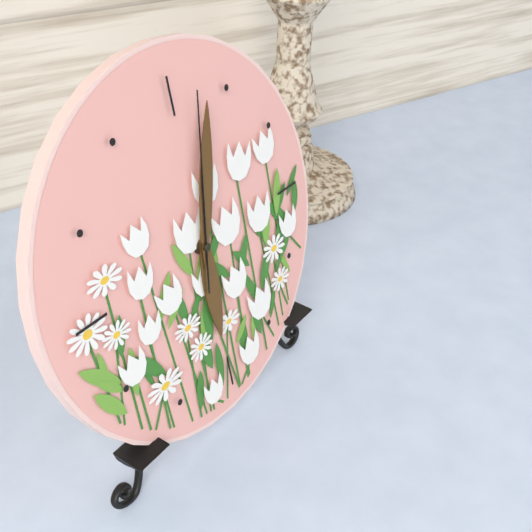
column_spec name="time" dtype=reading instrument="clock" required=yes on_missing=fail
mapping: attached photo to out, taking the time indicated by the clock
6:03:02
